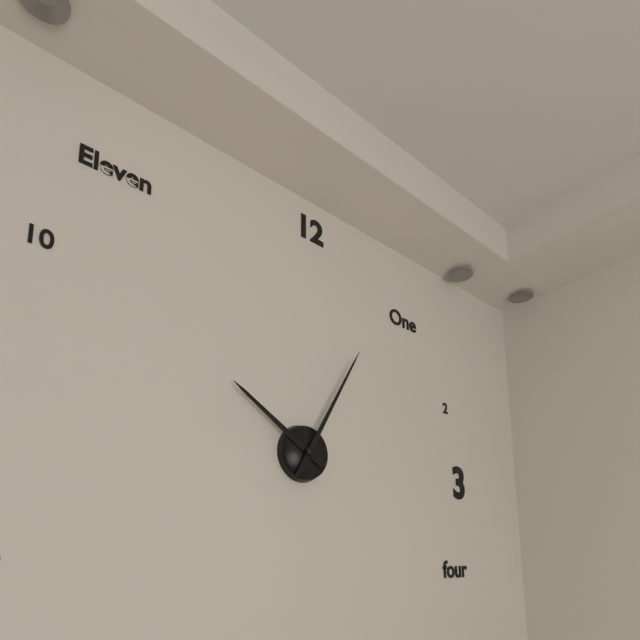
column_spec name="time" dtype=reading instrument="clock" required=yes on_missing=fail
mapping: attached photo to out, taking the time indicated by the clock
10:05
